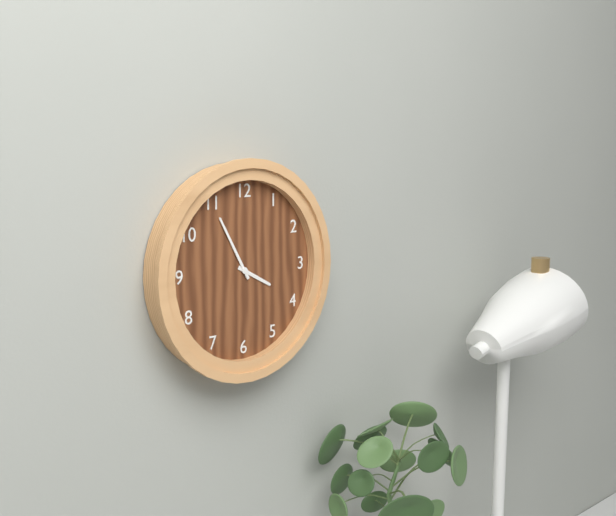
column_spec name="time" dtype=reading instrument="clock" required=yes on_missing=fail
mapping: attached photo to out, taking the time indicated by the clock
3:55
